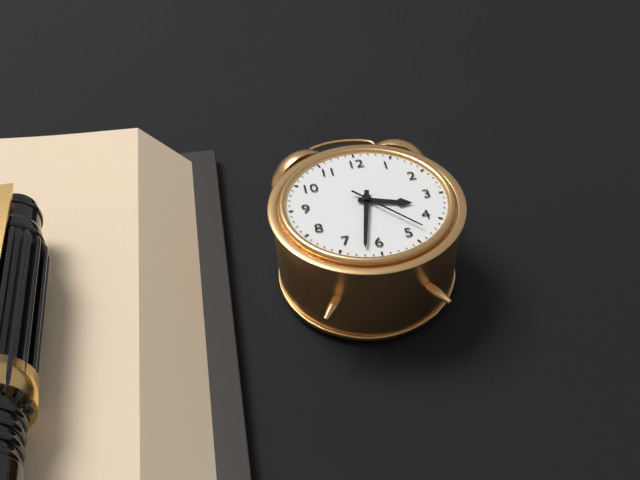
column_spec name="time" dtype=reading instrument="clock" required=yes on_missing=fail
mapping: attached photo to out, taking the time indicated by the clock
3:32:23
